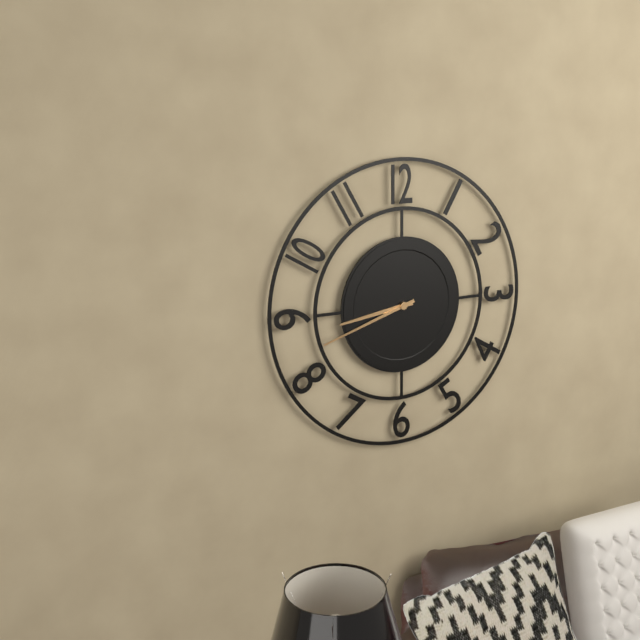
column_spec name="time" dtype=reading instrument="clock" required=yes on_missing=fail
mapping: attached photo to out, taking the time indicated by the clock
8:42
